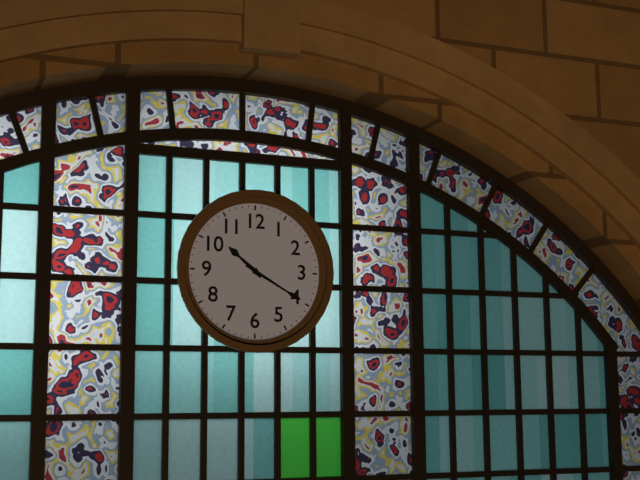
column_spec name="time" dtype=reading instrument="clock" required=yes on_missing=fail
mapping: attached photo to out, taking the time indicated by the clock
10:20
